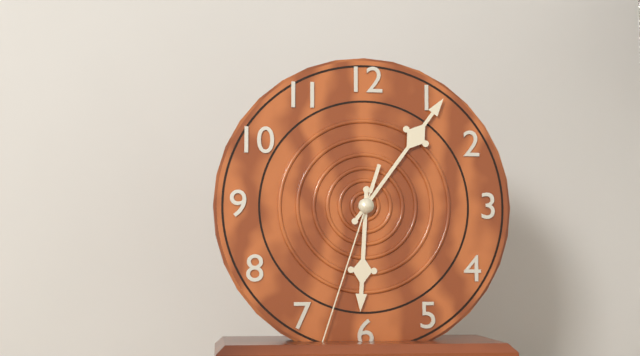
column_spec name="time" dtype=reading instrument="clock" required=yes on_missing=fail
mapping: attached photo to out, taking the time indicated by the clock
6:06:33
